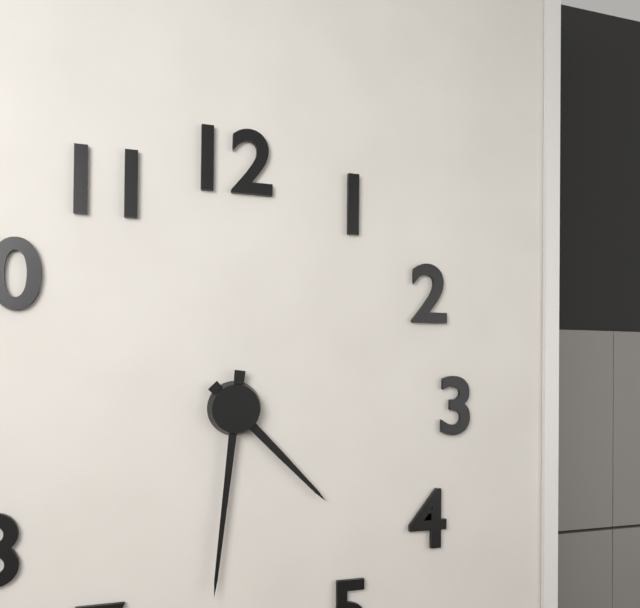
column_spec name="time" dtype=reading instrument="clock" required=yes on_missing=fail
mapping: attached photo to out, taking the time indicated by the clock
4:31
